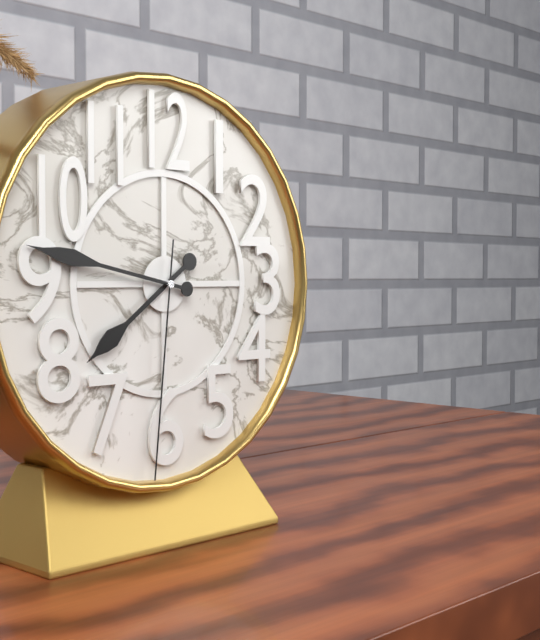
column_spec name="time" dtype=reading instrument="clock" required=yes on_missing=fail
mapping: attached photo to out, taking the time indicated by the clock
7:47:31
